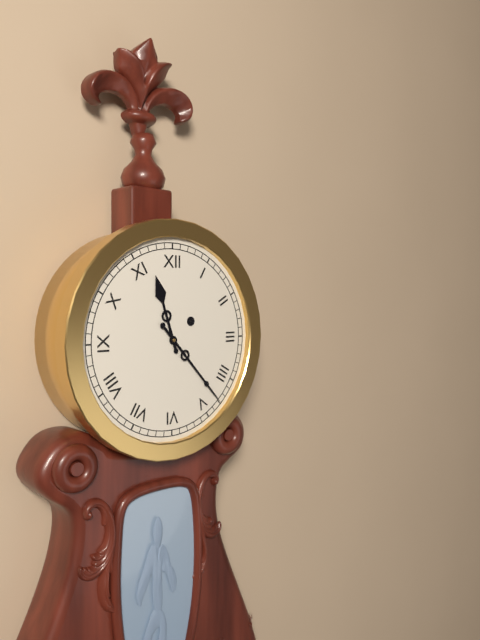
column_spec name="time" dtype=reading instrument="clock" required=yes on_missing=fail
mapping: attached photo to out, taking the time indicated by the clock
11:23
